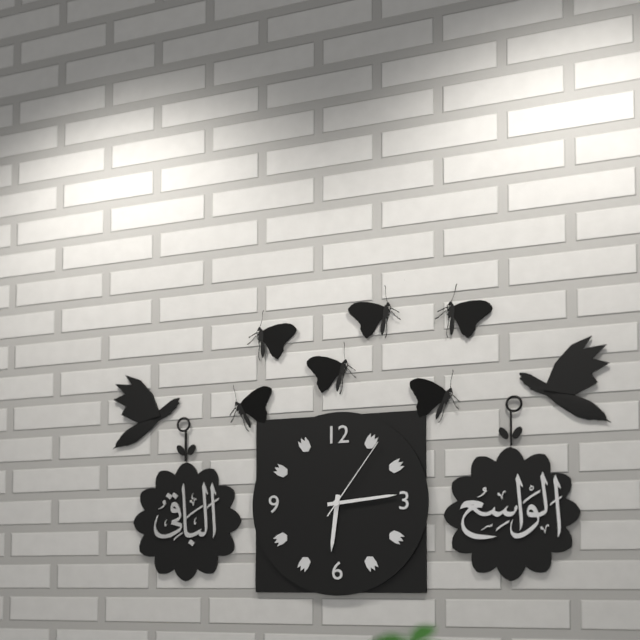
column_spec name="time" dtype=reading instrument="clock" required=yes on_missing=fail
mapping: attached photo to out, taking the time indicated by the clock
6:14:06
